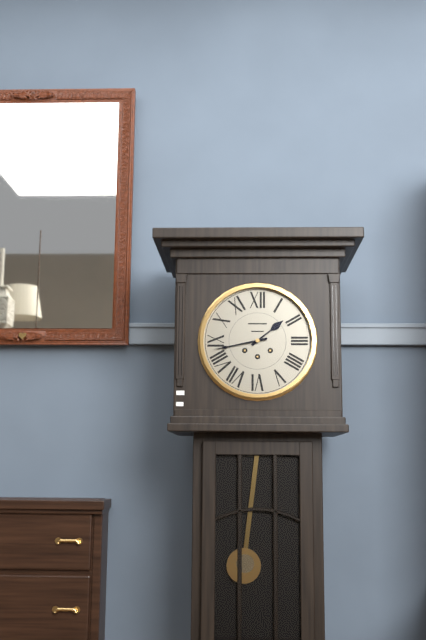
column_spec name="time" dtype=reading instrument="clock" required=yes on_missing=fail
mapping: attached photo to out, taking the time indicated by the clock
1:43
